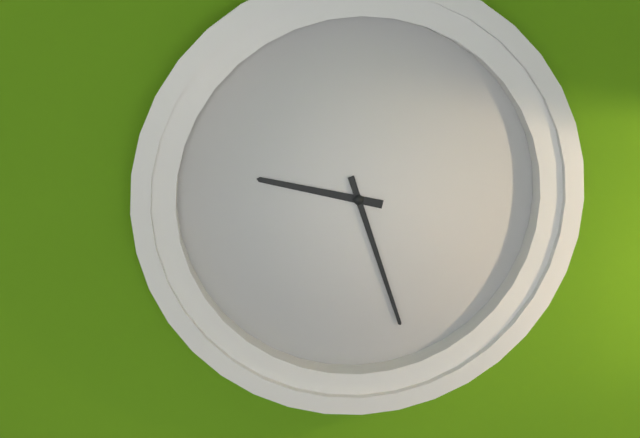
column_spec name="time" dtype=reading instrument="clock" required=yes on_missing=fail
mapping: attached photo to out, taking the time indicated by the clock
9:27
